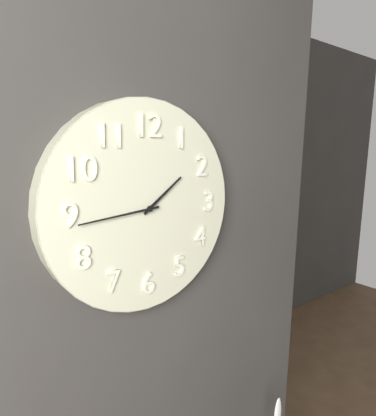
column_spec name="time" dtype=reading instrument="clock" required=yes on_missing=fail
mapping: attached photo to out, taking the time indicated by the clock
1:44
